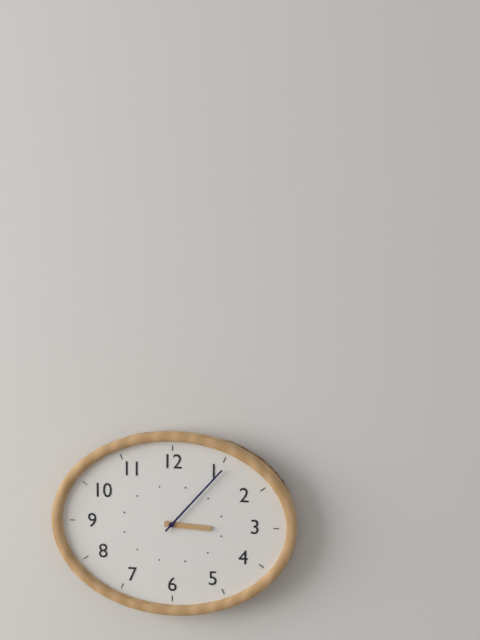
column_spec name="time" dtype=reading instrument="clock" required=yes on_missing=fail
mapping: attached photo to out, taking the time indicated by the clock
3:07
